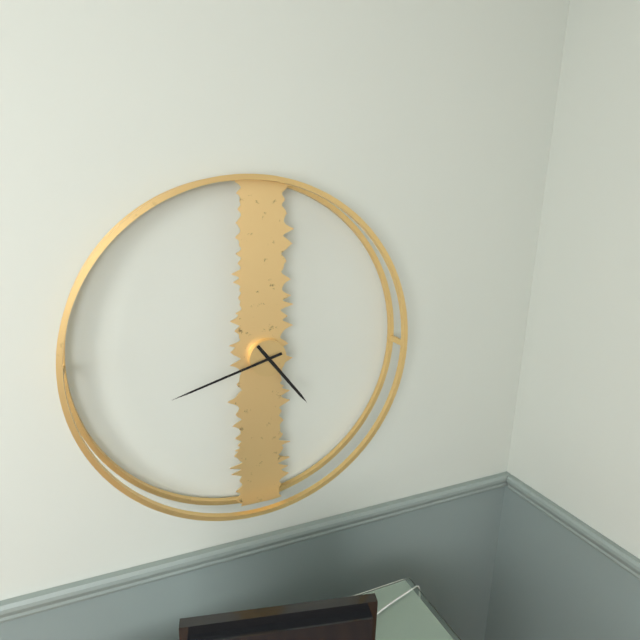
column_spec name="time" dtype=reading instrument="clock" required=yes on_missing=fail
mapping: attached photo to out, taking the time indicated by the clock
4:42
